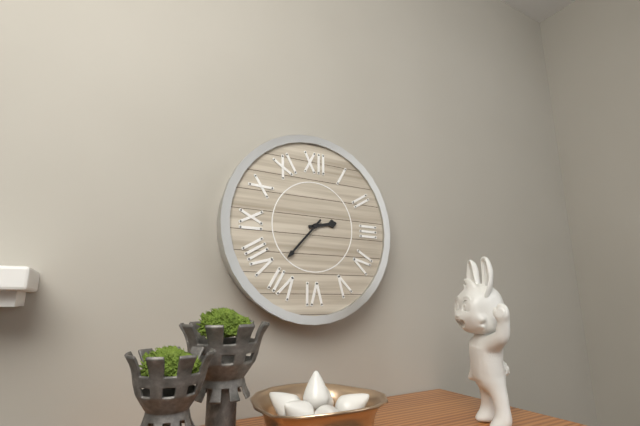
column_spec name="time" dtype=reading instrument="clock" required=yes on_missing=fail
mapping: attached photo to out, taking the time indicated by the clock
2:37
